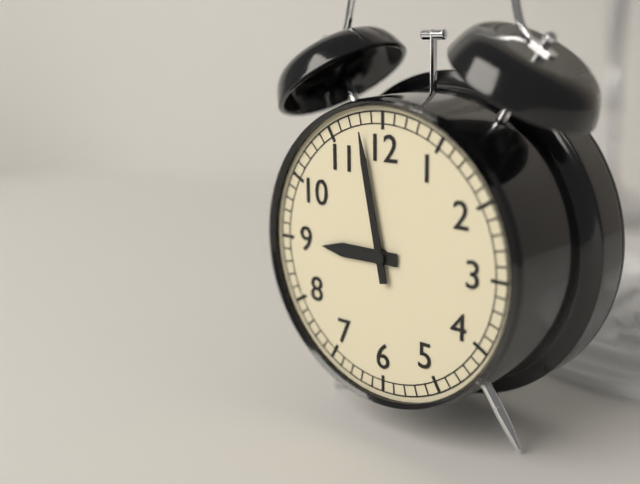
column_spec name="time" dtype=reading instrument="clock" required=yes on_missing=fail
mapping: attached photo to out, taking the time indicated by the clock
8:58
